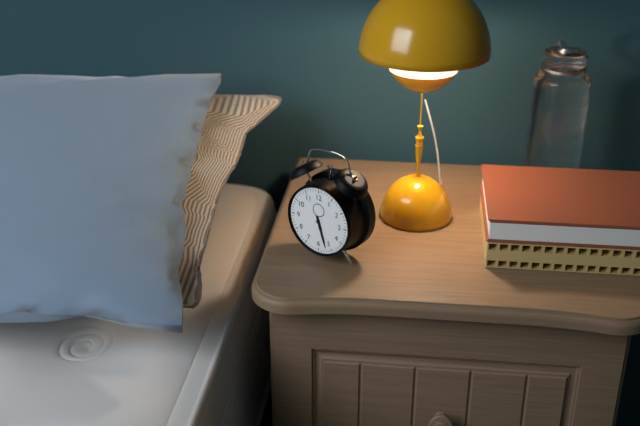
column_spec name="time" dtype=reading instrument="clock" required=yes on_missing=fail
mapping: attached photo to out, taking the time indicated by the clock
5:27
